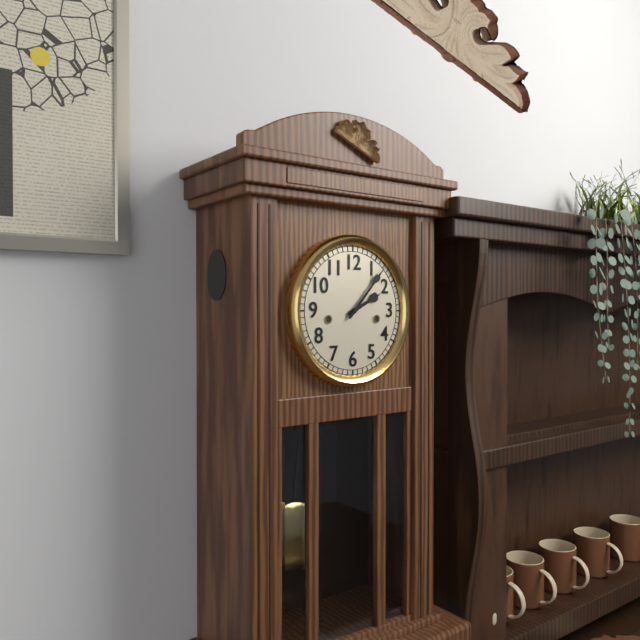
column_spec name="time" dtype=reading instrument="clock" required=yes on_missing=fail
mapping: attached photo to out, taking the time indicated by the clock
2:07
